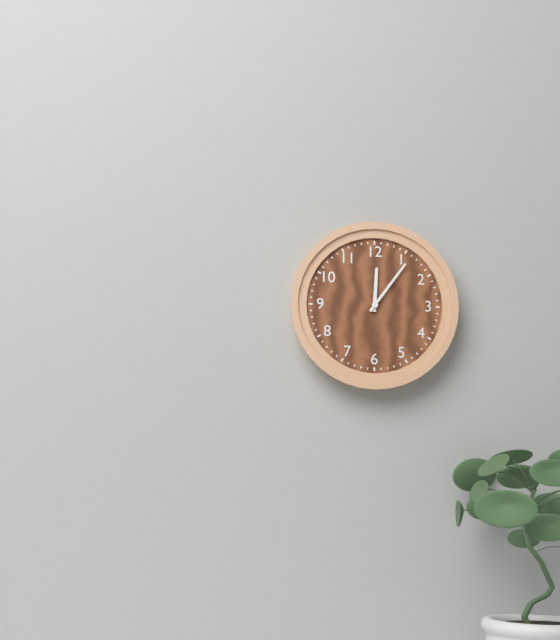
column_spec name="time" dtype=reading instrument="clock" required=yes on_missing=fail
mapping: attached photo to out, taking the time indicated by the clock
12:06
